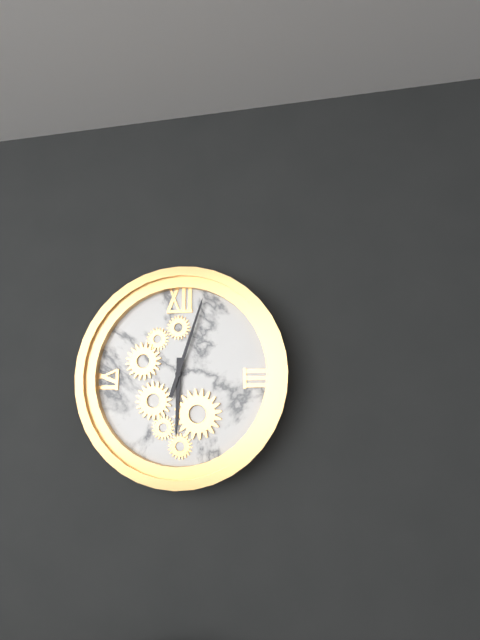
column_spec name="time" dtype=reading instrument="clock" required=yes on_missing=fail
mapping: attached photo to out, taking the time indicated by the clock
6:03
